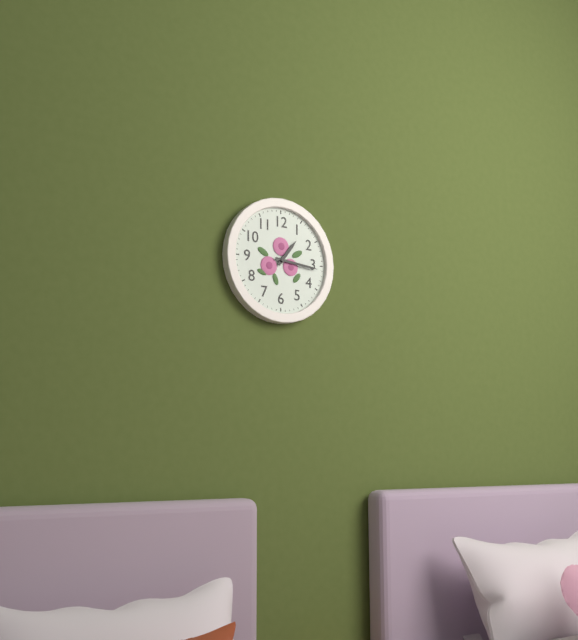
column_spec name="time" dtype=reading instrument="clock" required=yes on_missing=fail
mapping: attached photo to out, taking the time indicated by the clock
1:16
